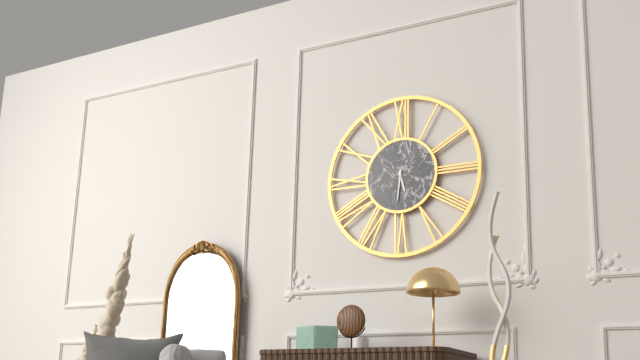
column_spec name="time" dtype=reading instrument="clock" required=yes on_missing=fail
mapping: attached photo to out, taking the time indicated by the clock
5:31
